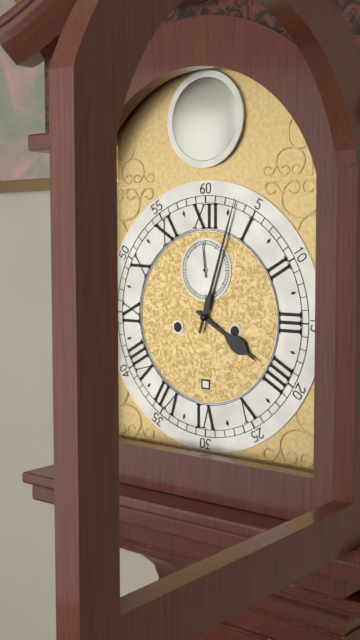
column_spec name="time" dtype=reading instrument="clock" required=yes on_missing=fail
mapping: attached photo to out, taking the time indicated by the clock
4:03
